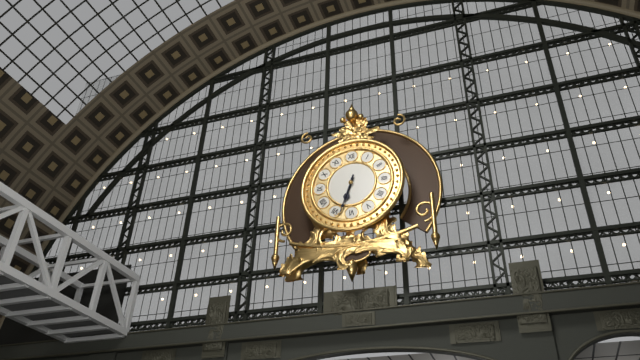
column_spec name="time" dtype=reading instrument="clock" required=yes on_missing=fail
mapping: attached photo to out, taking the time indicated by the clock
6:33
